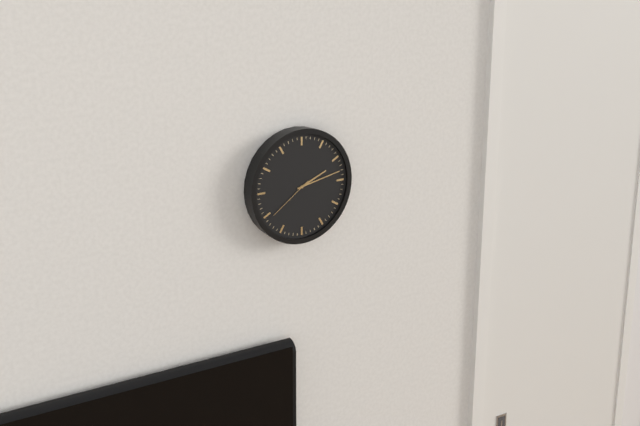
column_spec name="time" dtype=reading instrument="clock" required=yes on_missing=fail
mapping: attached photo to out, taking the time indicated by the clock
2:13:39
